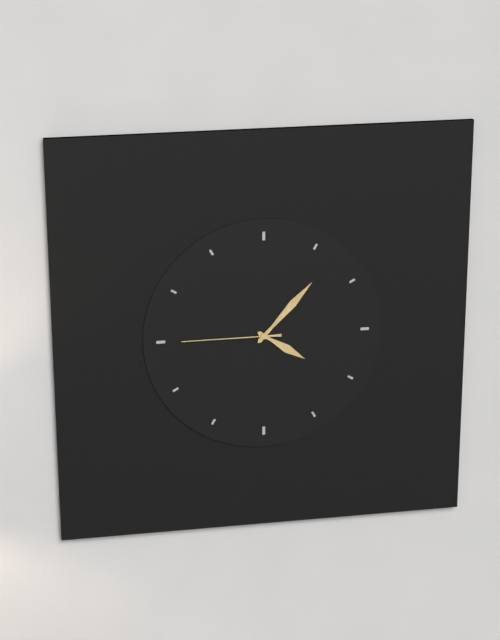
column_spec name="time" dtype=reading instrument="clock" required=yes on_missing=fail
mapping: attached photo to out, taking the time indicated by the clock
4:07:45
